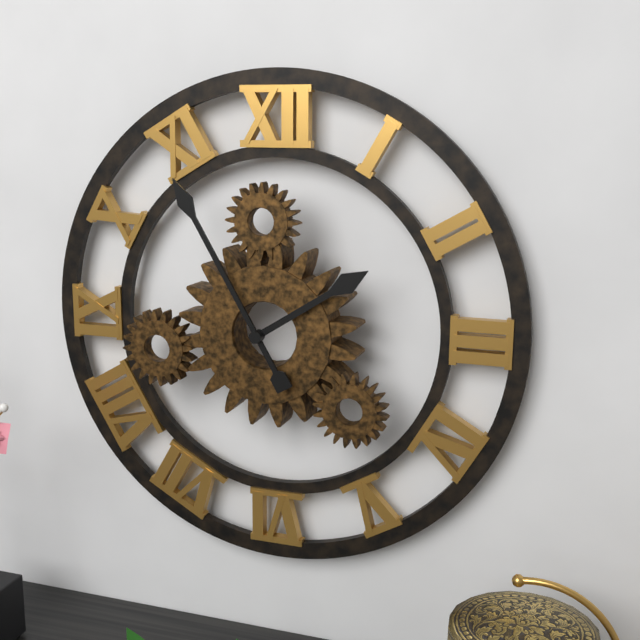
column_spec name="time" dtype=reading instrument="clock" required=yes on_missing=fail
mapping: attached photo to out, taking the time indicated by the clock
1:55
